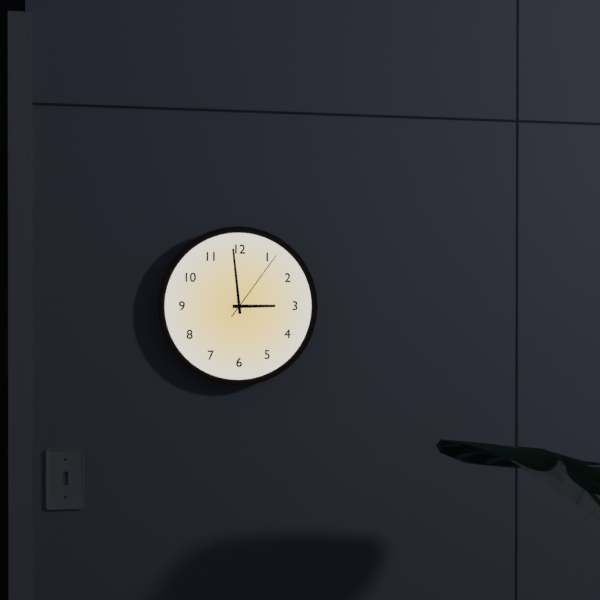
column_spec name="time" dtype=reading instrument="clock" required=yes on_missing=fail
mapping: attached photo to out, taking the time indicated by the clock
2:59:06
